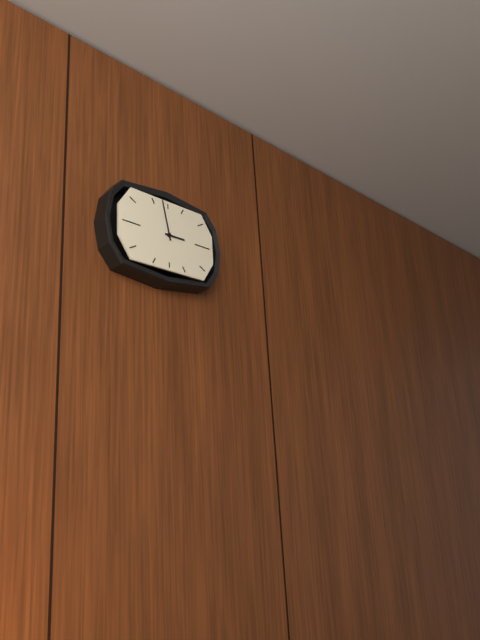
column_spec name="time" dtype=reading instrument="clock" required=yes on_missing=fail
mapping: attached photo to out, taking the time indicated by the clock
2:58
